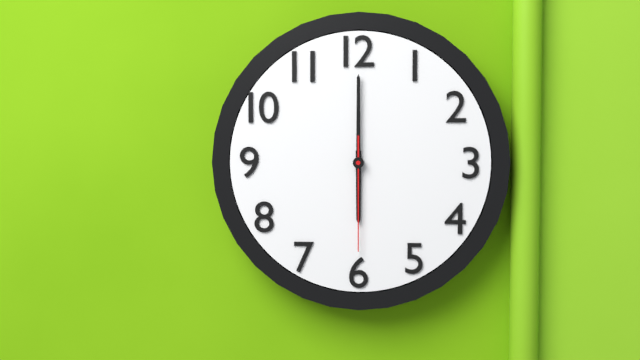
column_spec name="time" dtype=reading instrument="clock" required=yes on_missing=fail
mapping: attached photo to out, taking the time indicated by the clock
6:00:30
